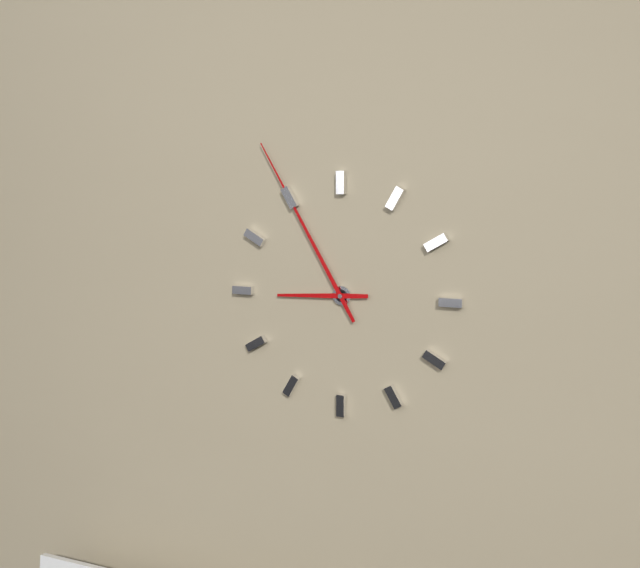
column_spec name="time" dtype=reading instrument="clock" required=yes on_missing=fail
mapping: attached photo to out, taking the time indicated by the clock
8:55
